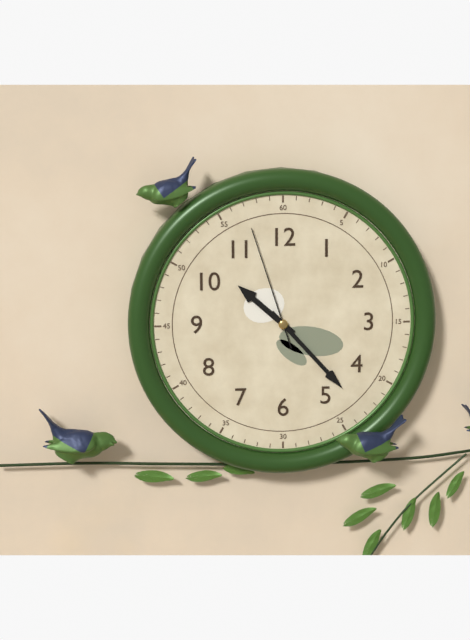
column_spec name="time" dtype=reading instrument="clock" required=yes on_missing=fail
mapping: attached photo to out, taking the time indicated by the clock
10:23:57
